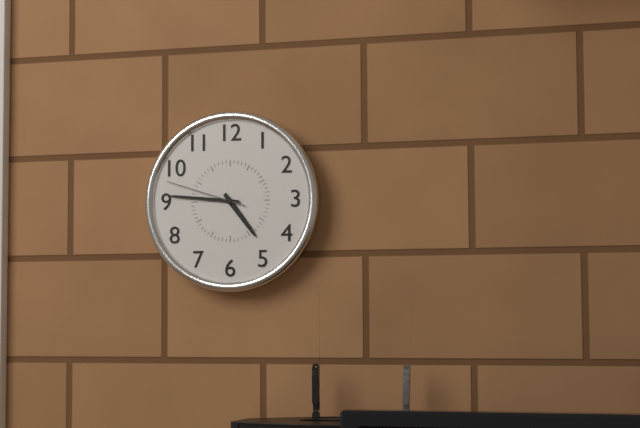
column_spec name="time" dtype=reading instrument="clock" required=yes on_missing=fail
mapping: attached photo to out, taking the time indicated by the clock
4:46:48
